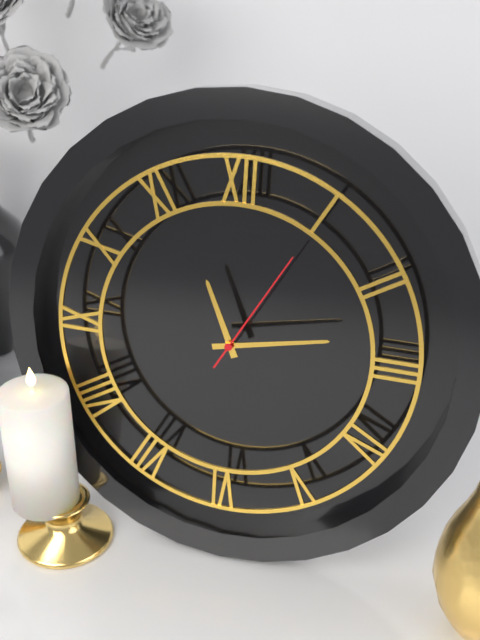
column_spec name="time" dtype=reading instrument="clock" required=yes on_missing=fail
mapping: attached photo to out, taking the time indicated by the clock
11:13:05
